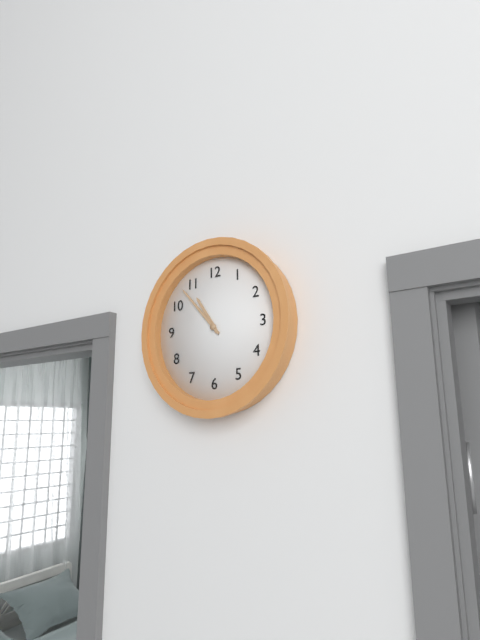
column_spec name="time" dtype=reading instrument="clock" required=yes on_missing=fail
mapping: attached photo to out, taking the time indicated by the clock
10:53
